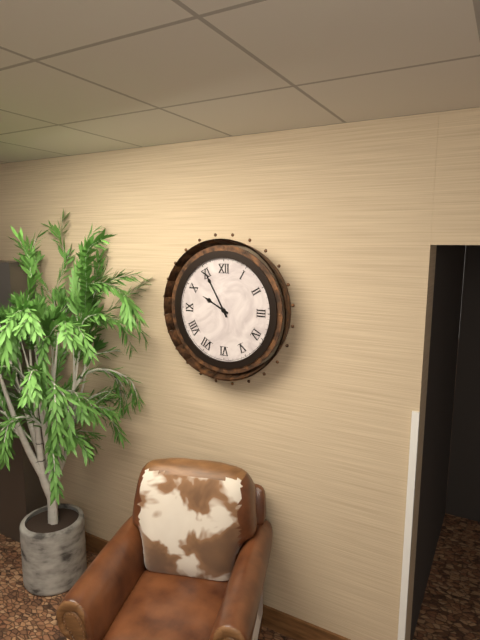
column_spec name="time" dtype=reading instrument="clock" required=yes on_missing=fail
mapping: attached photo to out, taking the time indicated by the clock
9:55
